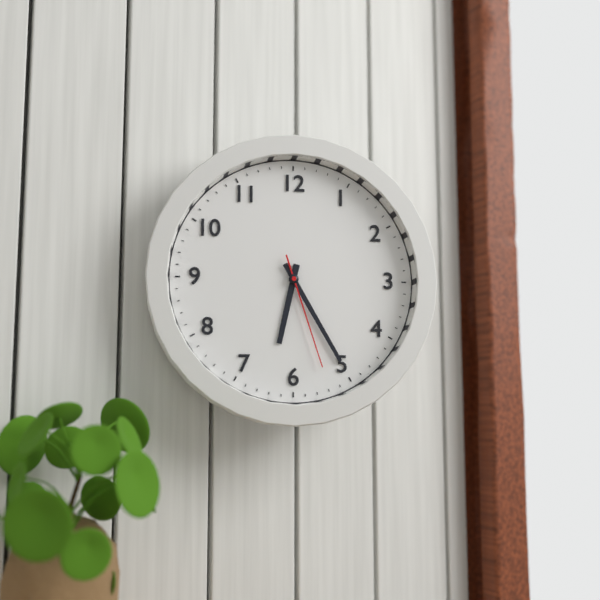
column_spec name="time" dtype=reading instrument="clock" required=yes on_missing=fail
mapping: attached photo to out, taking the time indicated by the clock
6:25:27
